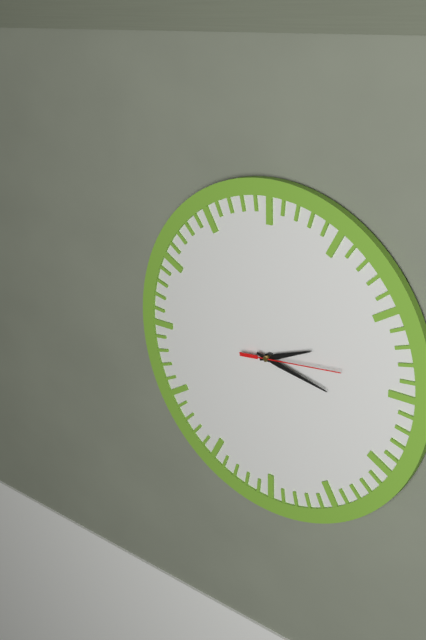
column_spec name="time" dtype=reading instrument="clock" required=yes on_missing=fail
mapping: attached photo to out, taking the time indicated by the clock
2:17:14
